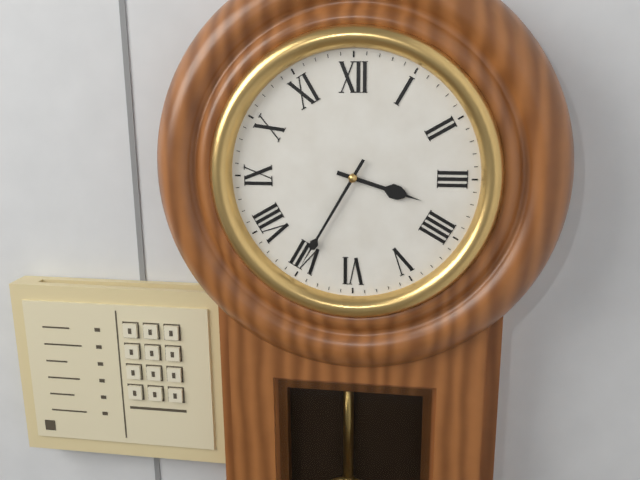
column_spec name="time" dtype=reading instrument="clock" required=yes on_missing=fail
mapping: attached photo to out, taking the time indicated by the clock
3:35
